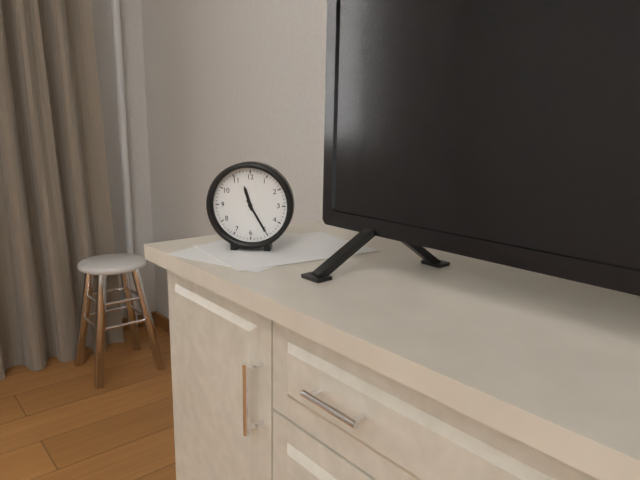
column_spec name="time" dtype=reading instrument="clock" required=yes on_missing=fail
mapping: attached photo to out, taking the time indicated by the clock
11:25
